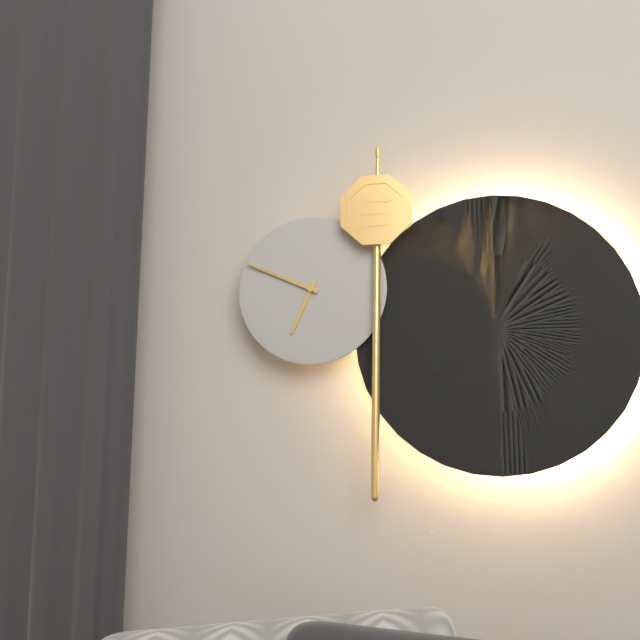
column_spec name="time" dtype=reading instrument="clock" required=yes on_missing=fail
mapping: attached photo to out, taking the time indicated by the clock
6:49
